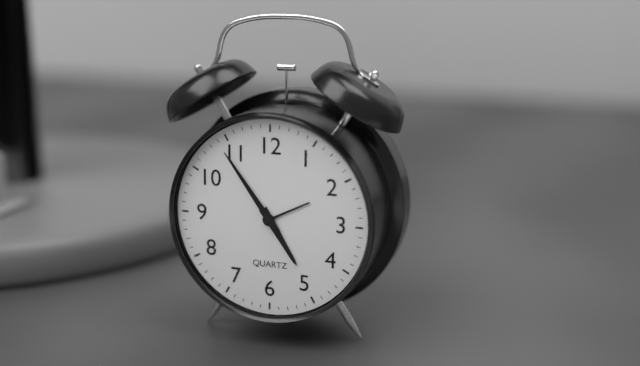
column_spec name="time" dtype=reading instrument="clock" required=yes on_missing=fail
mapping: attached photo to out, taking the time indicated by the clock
4:54:54
